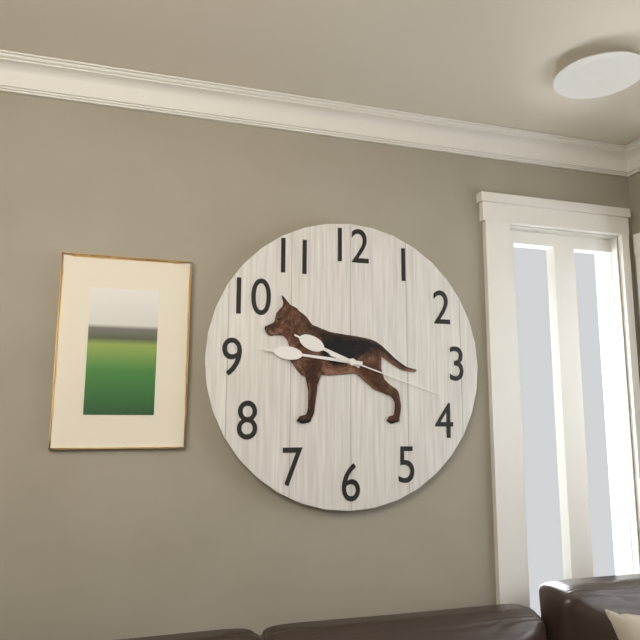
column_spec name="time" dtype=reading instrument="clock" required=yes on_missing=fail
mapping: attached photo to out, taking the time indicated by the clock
9:46:18
